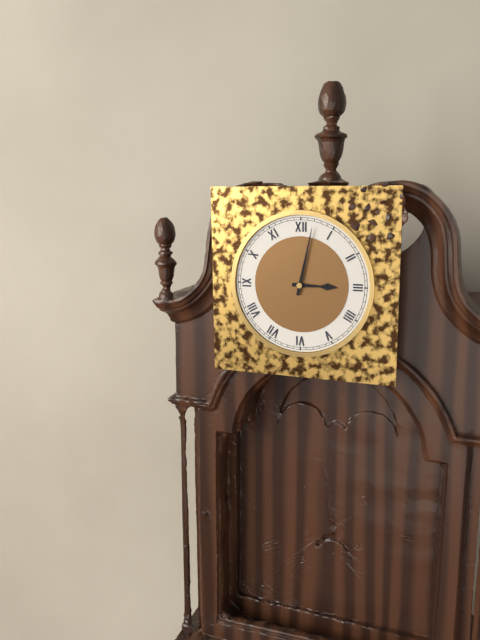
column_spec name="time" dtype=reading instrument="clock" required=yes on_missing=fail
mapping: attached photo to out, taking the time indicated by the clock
3:02
